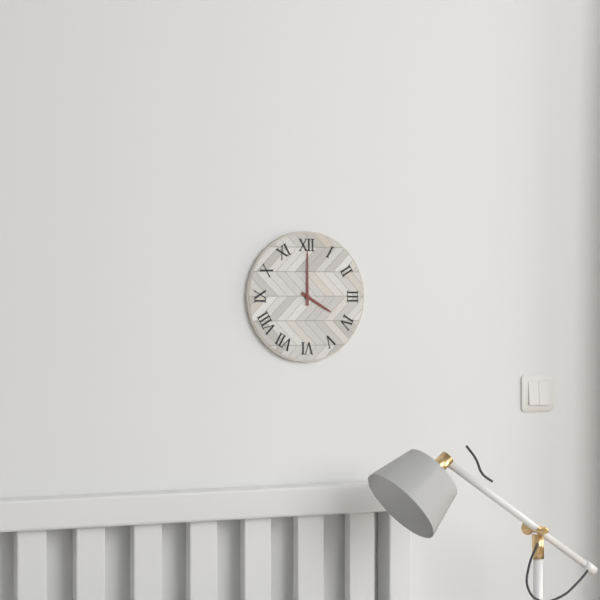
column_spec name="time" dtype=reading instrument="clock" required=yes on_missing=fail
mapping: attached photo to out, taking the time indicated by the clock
4:00
